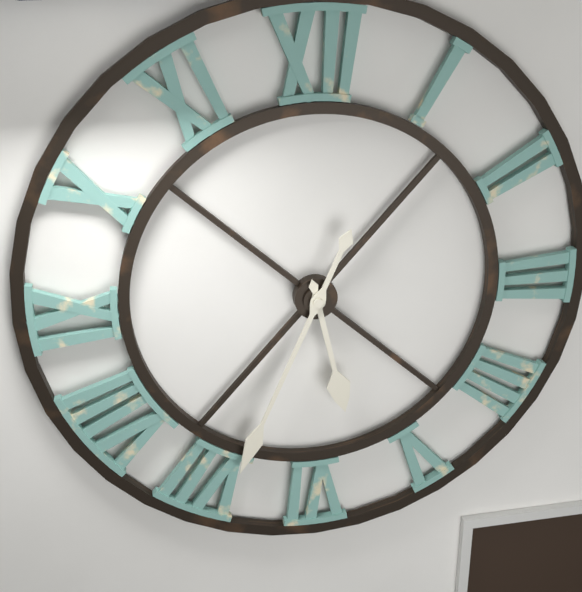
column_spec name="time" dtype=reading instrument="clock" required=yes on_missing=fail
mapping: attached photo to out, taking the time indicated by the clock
5:34
